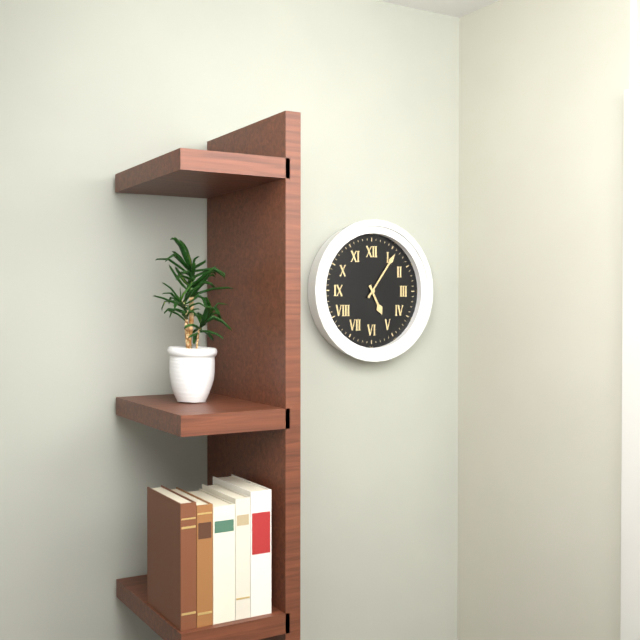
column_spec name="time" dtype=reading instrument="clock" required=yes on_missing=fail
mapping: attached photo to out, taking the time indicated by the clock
5:06
